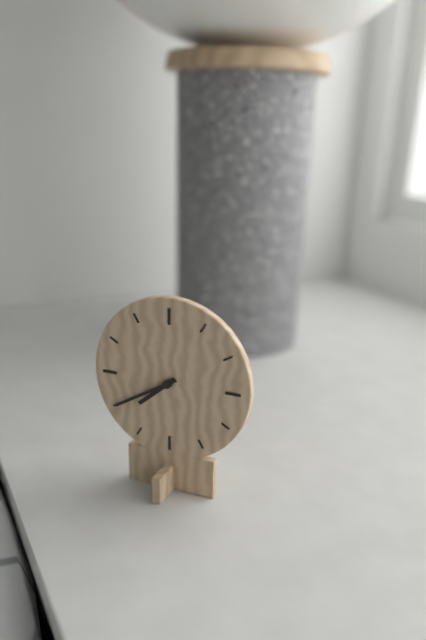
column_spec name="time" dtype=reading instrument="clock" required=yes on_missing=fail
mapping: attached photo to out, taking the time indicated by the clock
7:40
